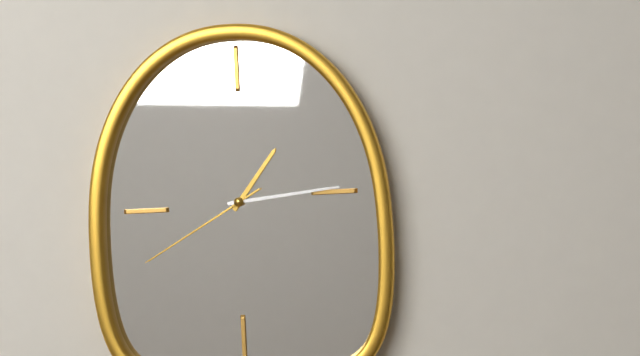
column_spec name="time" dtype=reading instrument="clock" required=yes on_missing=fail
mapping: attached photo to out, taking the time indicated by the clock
1:14:40
